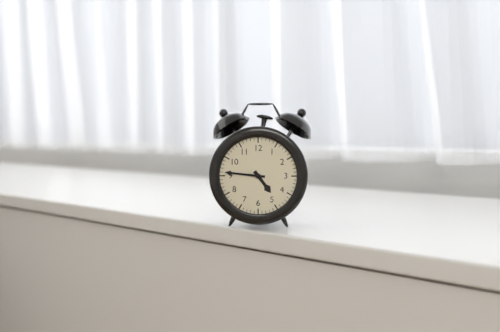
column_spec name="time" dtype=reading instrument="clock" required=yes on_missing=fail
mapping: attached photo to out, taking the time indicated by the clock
4:46
